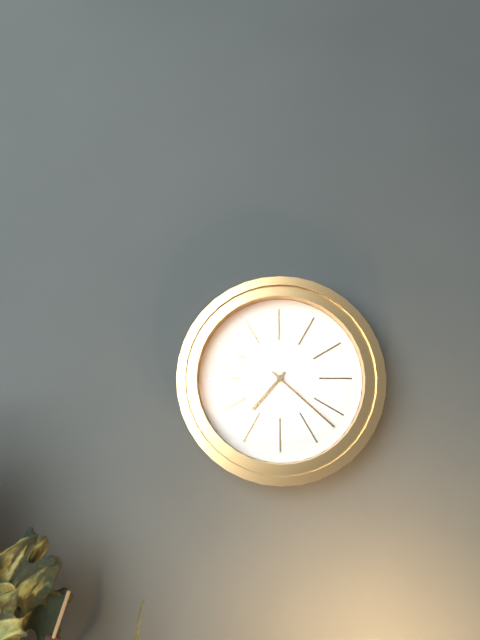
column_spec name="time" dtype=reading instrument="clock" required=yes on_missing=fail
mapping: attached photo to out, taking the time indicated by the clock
7:22
